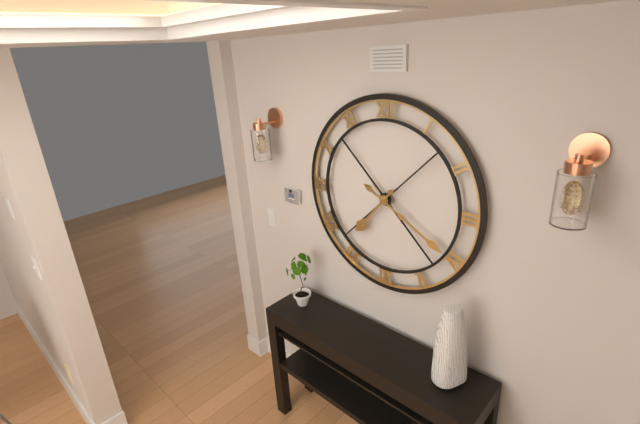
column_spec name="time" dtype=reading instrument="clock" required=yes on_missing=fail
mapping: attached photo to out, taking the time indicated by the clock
7:20
